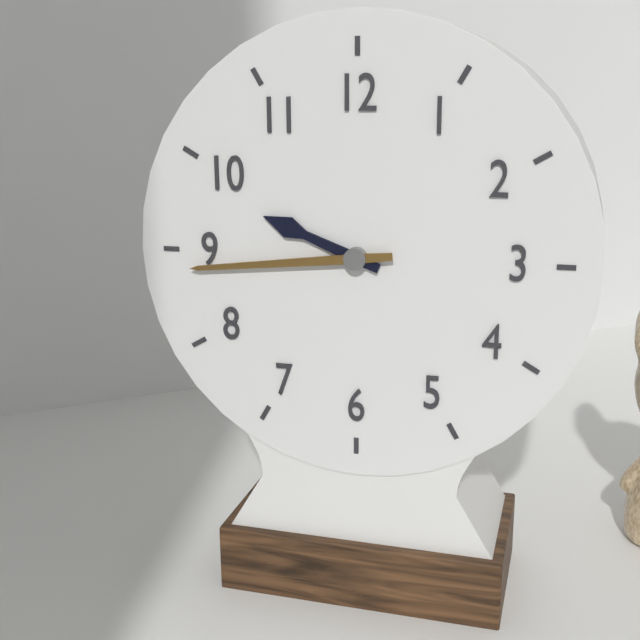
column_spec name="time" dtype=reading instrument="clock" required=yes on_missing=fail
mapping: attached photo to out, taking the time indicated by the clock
9:44
